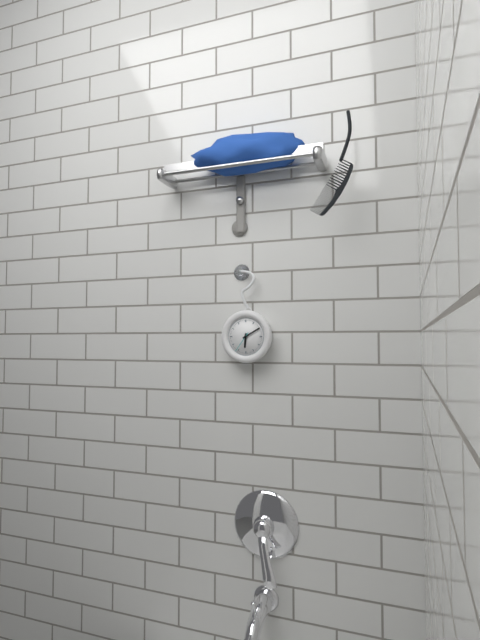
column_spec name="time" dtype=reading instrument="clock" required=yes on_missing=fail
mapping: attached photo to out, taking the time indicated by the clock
6:10
